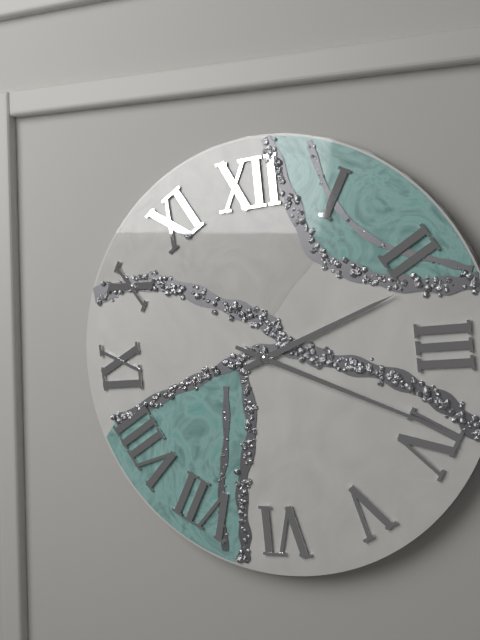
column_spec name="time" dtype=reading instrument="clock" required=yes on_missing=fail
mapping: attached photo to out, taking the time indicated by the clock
2:19
